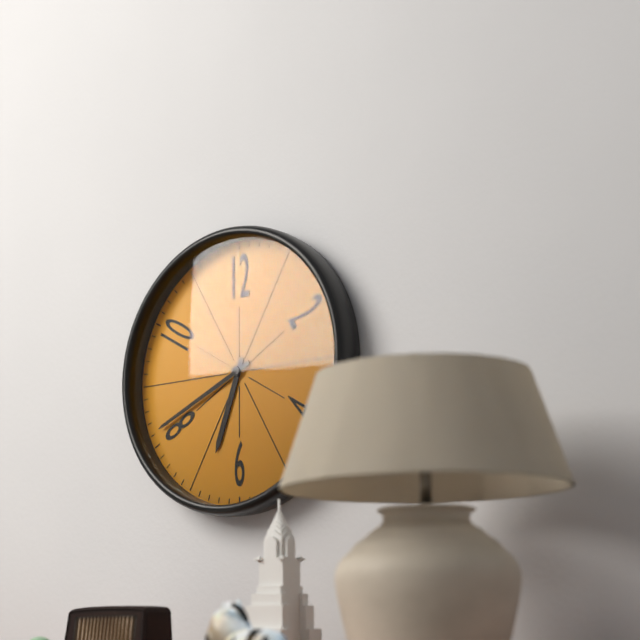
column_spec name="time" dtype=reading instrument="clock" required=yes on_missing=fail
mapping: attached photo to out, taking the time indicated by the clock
6:41
